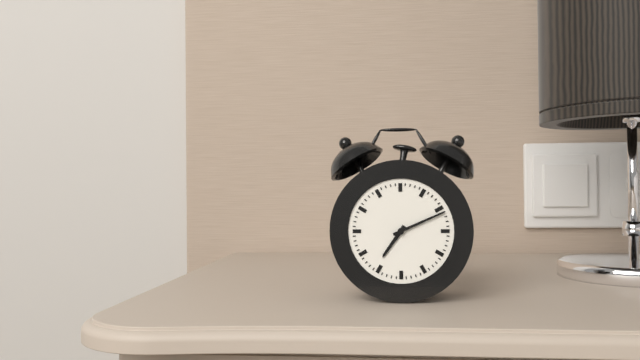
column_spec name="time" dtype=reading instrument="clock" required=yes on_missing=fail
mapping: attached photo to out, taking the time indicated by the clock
7:11
